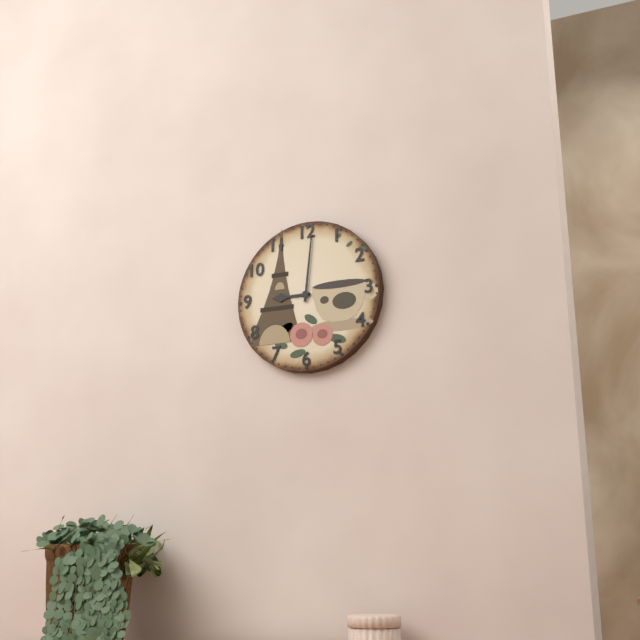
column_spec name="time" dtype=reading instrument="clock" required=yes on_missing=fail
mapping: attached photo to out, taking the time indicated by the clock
9:01
